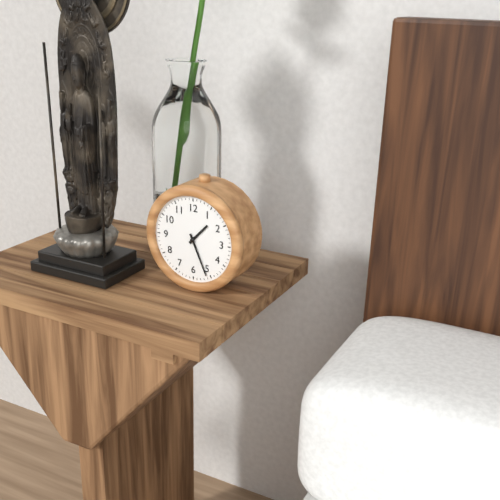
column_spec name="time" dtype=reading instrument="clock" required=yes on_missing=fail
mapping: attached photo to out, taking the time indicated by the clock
1:26
